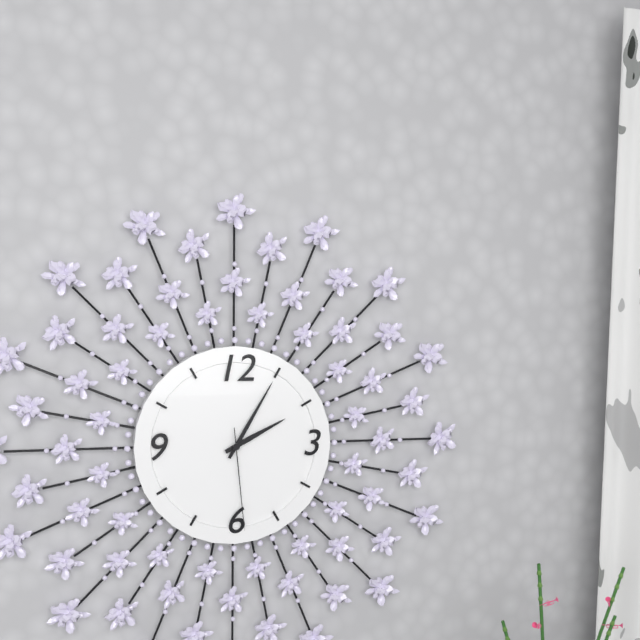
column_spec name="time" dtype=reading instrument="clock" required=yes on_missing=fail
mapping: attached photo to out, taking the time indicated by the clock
2:05:29
